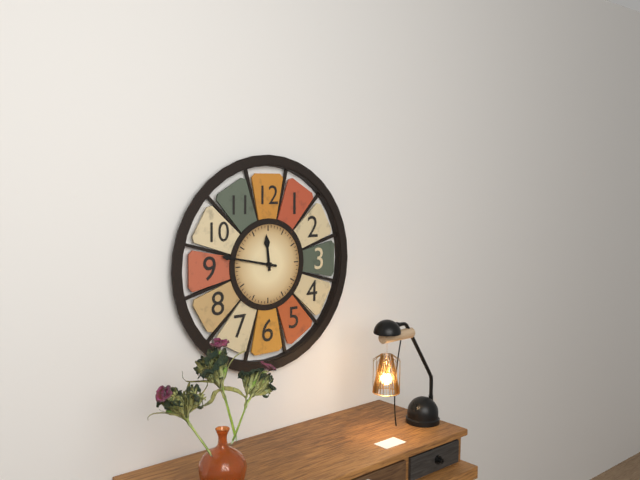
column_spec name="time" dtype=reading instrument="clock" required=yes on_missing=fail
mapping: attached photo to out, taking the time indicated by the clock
11:47
